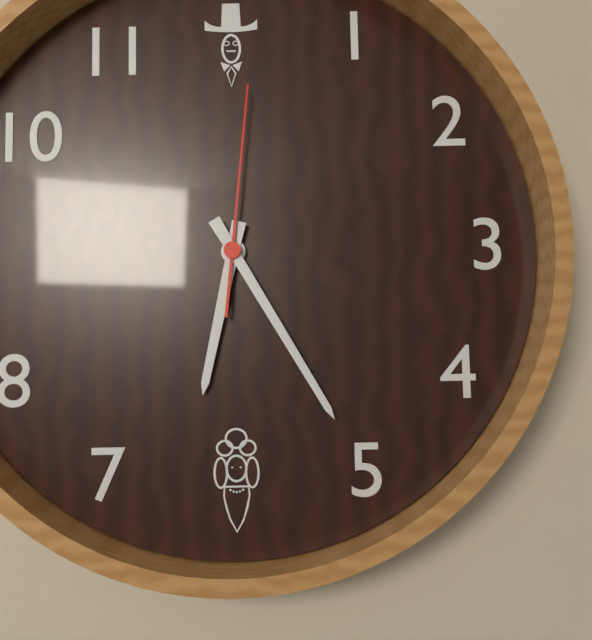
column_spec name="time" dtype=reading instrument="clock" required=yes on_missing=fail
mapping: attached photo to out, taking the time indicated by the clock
6:25:01
